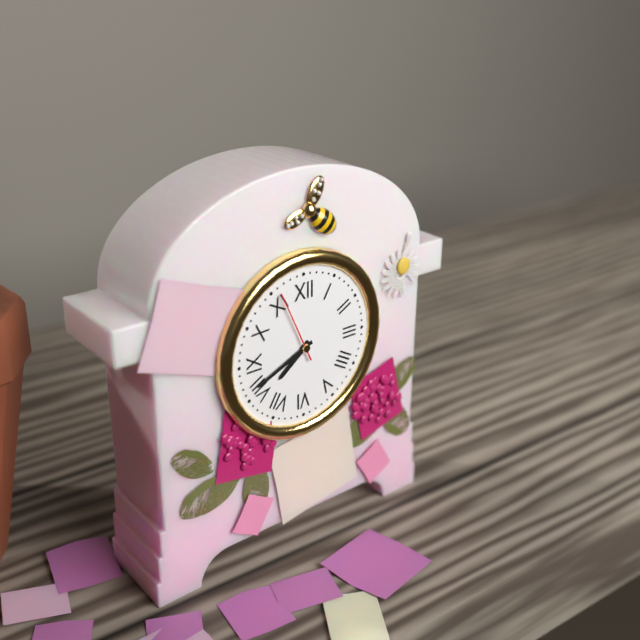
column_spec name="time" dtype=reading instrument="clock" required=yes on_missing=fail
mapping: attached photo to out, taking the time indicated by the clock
7:41:56
